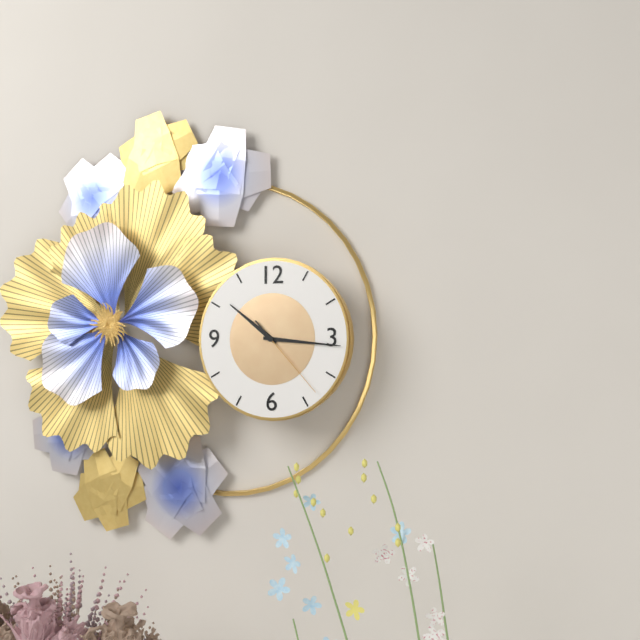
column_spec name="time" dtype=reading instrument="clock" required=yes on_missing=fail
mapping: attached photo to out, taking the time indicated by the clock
10:16:23
